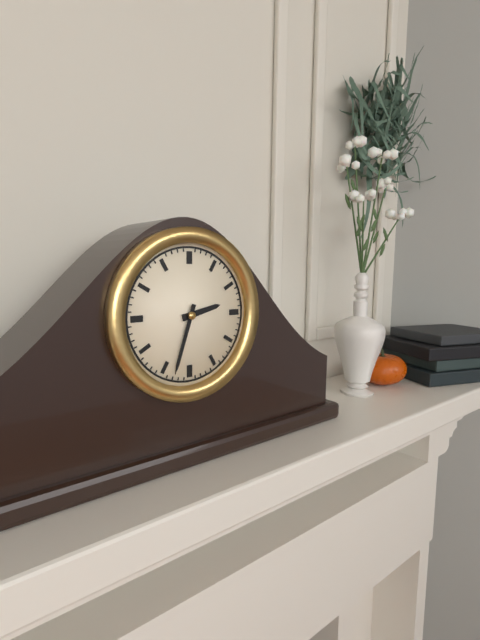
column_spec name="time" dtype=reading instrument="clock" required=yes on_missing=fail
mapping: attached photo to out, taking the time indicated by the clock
2:33
